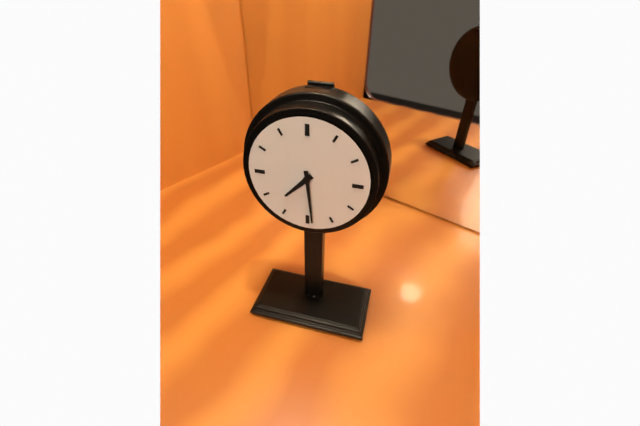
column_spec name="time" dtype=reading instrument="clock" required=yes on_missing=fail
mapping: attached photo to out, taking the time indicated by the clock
7:29
